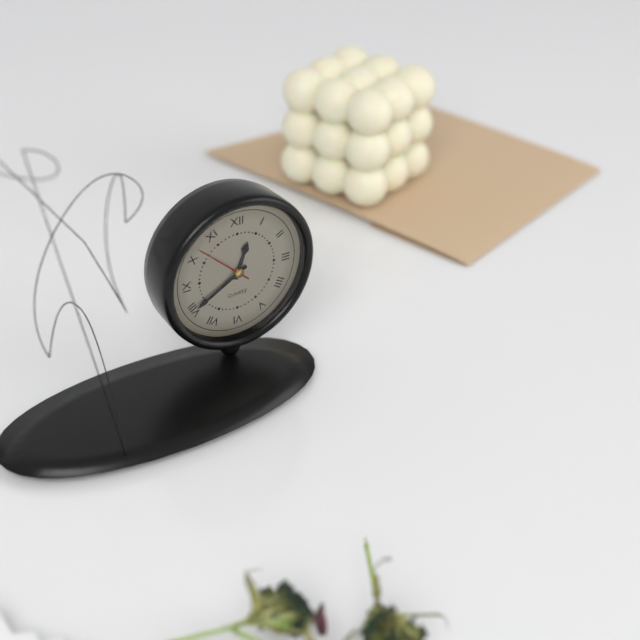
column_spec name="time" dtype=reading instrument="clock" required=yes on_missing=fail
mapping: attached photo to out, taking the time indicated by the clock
12:40:52
